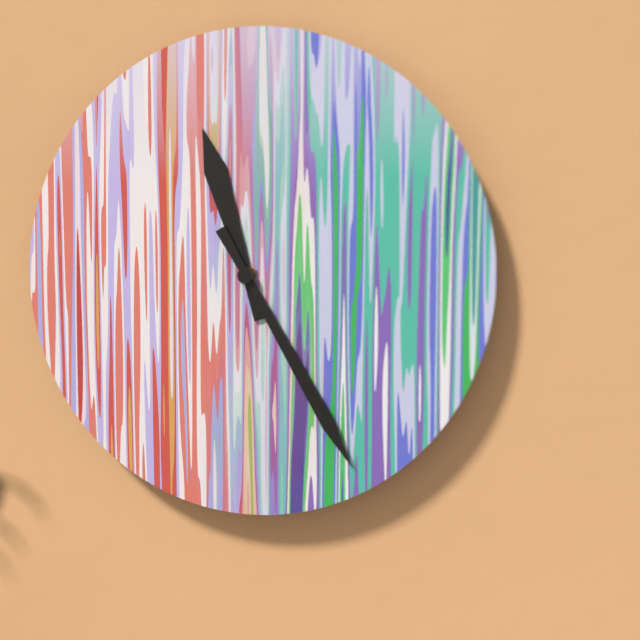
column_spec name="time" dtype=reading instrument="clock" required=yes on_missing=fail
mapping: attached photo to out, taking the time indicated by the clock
11:25
